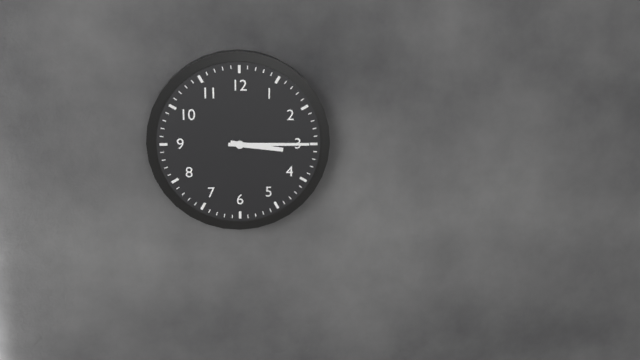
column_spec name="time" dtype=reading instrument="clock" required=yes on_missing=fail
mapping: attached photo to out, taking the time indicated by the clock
3:15
